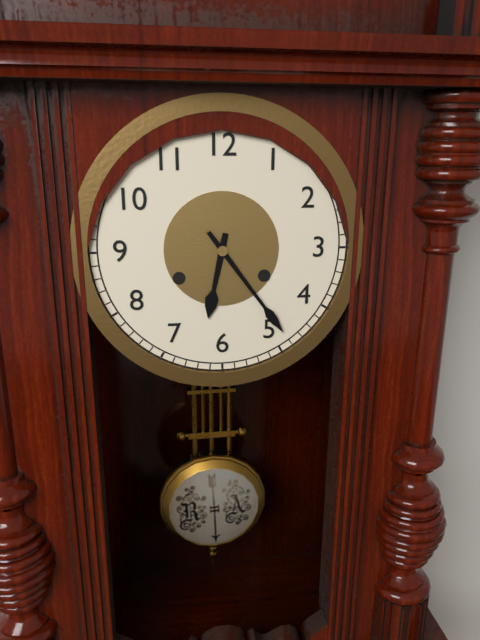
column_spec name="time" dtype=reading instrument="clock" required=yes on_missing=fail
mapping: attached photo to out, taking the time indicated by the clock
6:24
